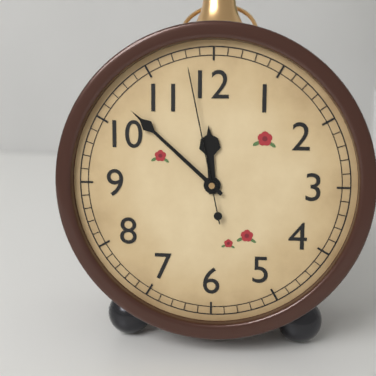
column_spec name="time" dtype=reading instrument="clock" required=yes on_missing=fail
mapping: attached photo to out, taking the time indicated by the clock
11:52:58
